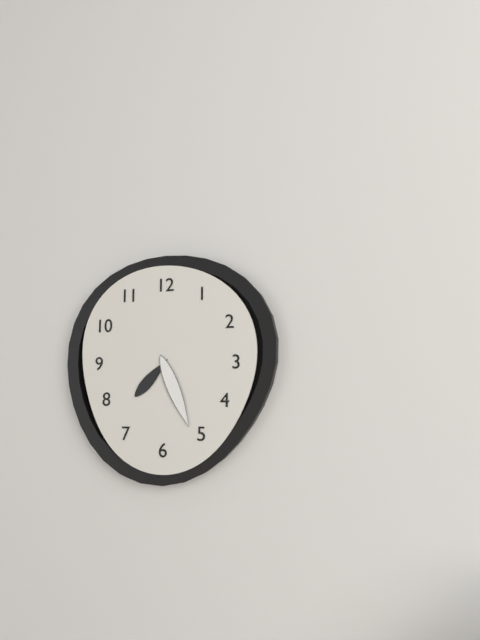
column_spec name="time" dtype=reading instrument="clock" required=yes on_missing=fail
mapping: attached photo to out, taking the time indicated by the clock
7:26
